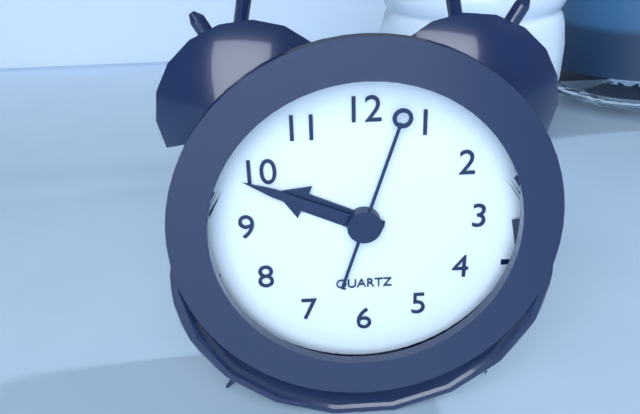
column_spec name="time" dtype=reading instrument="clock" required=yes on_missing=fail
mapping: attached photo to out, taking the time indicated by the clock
9:49:03
